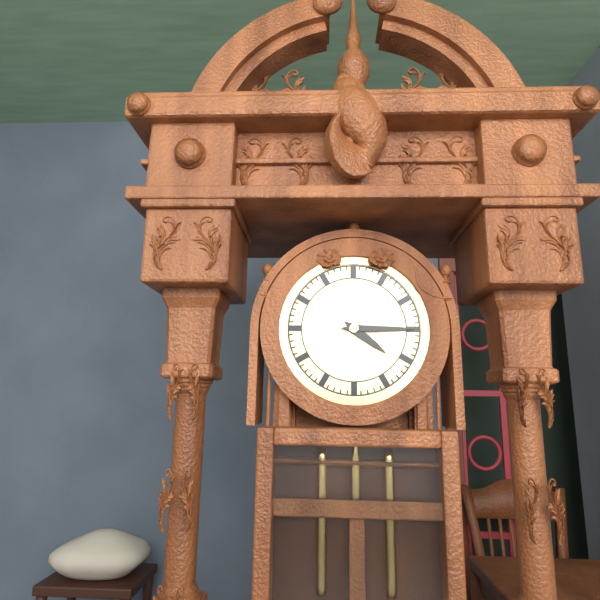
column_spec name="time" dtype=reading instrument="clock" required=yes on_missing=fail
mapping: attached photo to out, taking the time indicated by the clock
4:15
